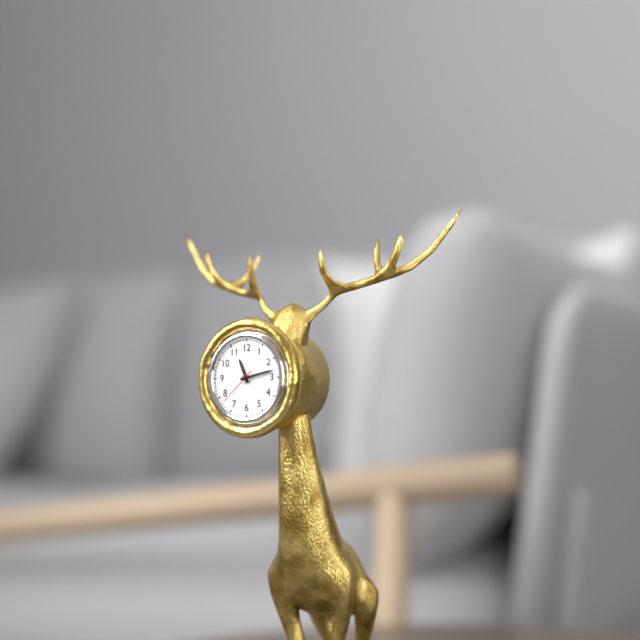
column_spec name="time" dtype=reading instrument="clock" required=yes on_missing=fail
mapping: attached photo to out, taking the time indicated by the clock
11:13
